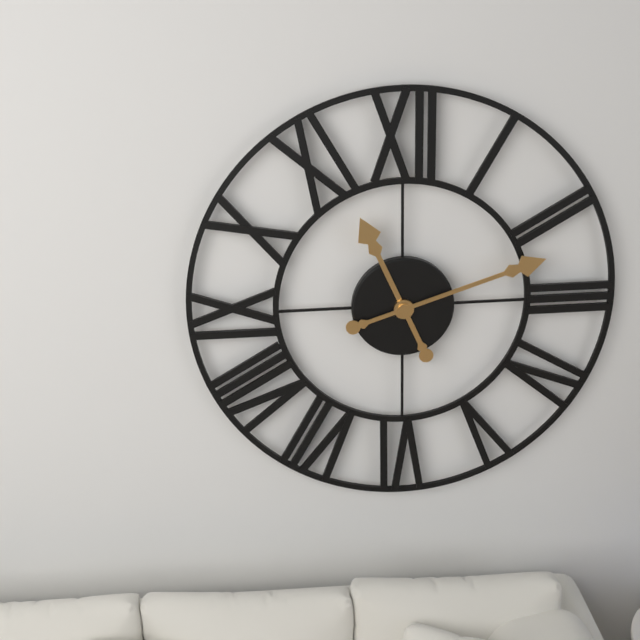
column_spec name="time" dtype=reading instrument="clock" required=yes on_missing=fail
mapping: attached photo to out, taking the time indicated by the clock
11:12
